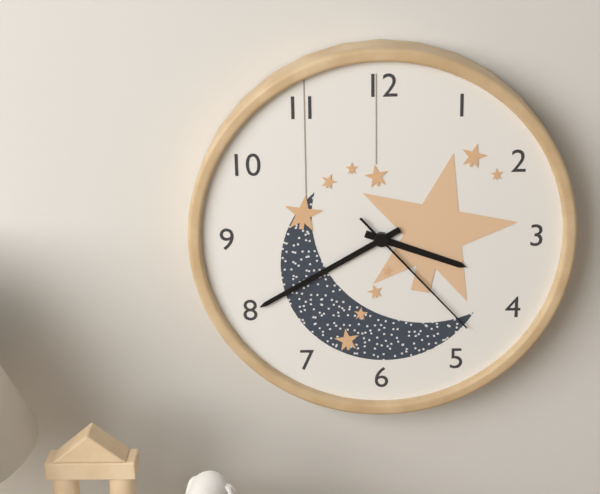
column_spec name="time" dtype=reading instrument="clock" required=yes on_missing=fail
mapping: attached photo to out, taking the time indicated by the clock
3:40:23
